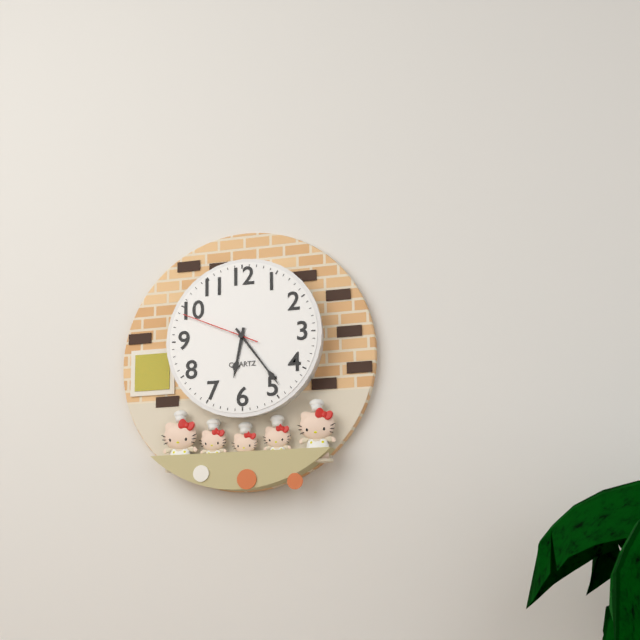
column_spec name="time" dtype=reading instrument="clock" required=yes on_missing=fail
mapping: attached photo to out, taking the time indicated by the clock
6:24:49
